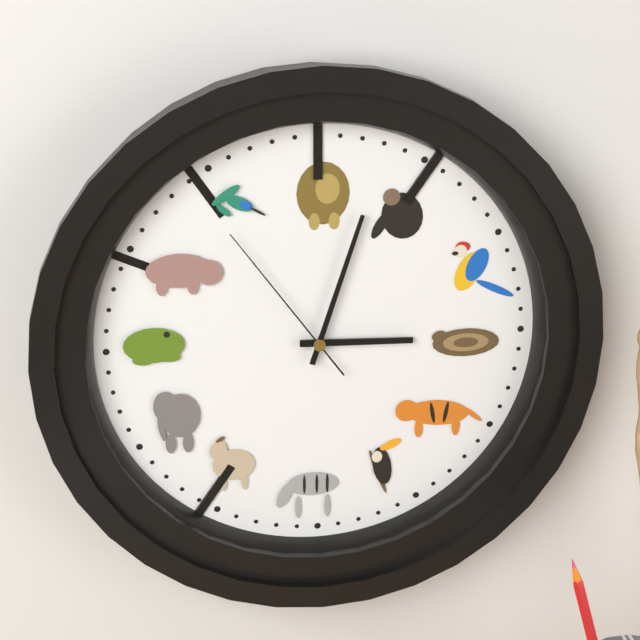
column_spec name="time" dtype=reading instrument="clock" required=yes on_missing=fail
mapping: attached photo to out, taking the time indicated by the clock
3:03:54
